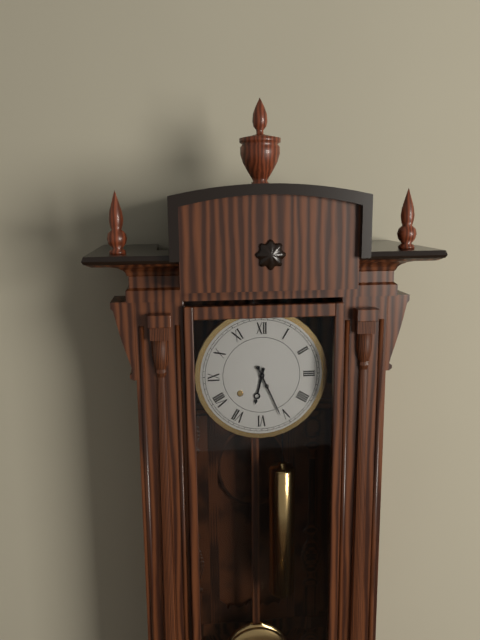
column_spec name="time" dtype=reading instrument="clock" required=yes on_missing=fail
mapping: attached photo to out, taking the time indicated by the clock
6:26
